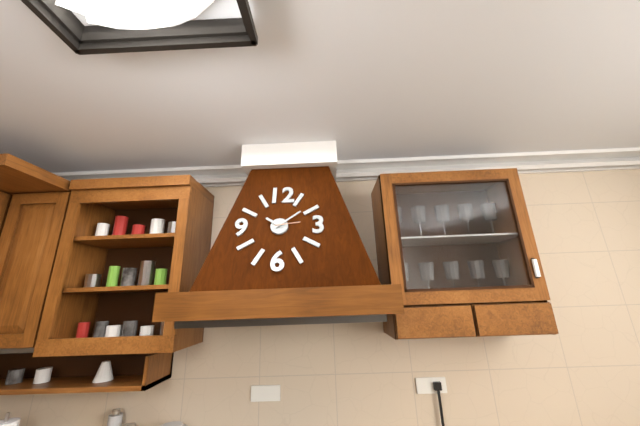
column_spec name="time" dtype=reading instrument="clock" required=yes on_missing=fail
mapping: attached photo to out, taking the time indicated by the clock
10:09
